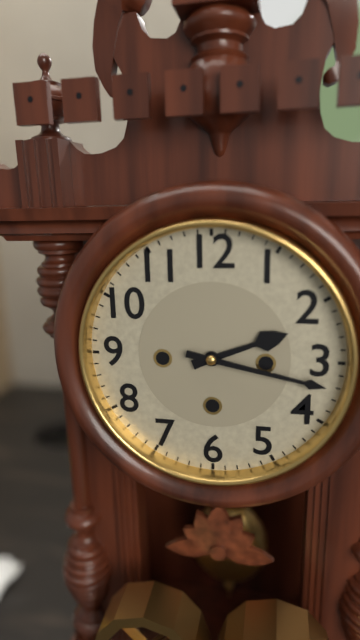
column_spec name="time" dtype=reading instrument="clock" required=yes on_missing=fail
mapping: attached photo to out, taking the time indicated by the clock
2:17
